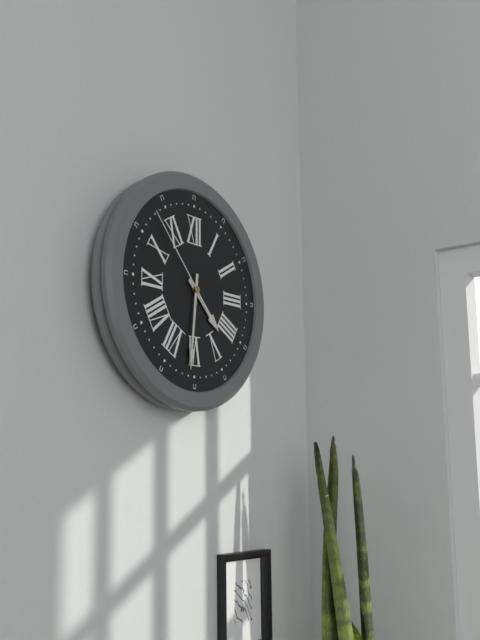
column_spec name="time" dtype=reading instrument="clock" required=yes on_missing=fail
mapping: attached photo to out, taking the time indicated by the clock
4:31:53
